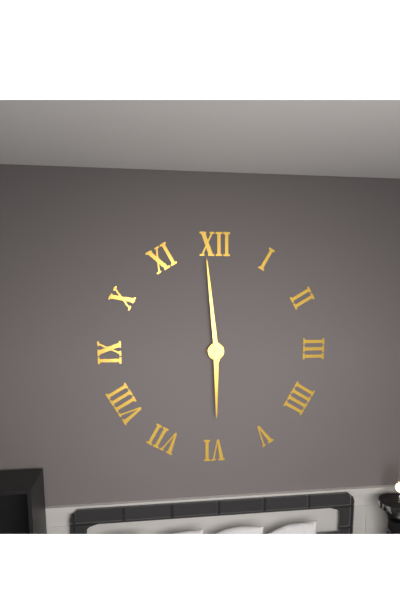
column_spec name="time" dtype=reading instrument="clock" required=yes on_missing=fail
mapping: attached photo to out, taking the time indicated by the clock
5:59
